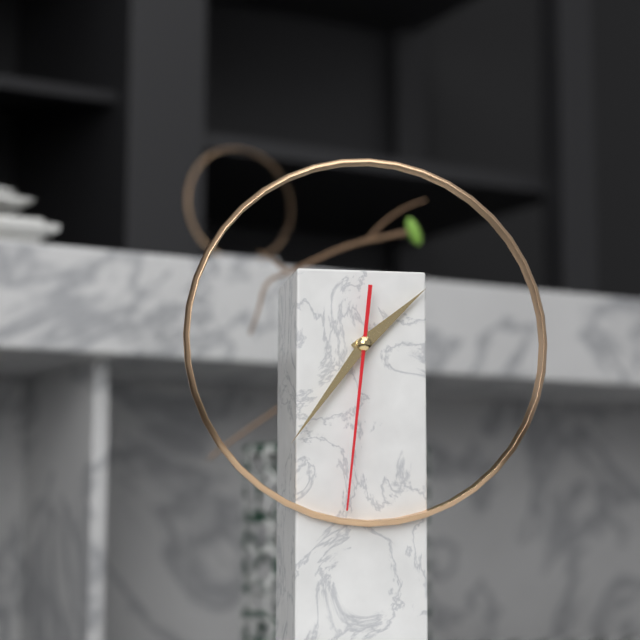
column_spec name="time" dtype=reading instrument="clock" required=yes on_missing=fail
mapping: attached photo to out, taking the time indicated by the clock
1:36:31
